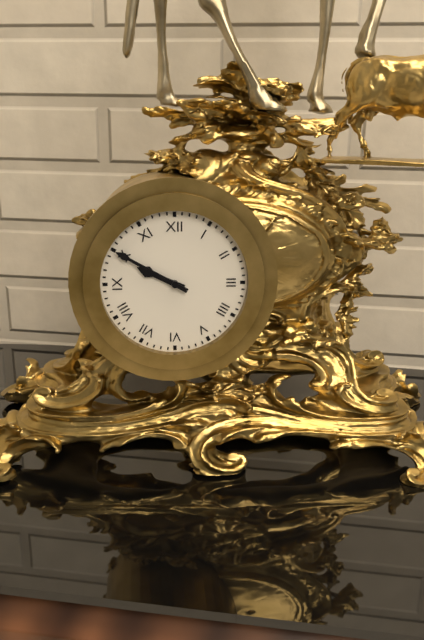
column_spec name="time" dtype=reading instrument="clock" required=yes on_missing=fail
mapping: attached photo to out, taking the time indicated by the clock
9:50
